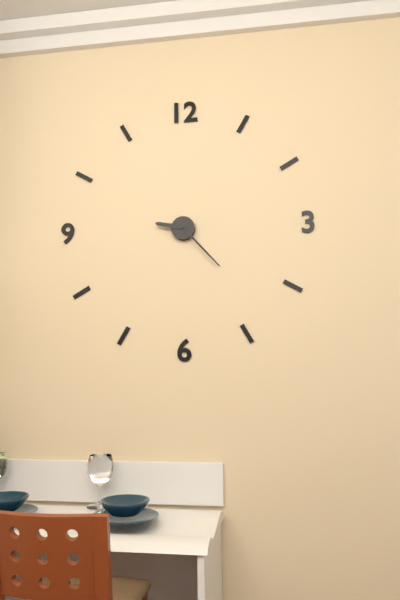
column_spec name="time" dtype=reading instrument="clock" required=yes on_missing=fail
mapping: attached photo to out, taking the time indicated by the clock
9:23
